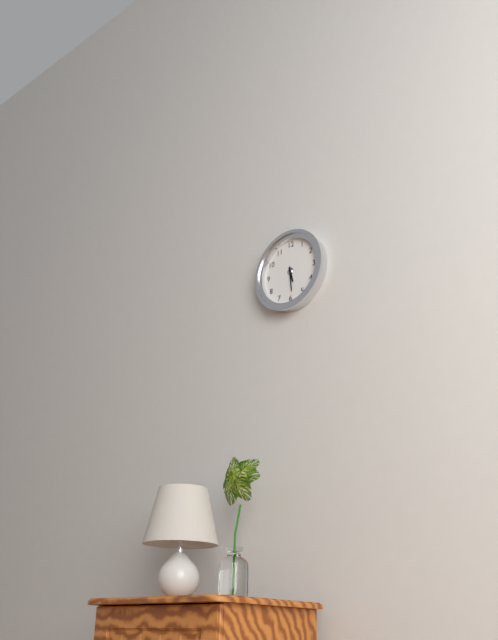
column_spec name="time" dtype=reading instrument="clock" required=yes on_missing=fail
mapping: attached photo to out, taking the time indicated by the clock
5:29
